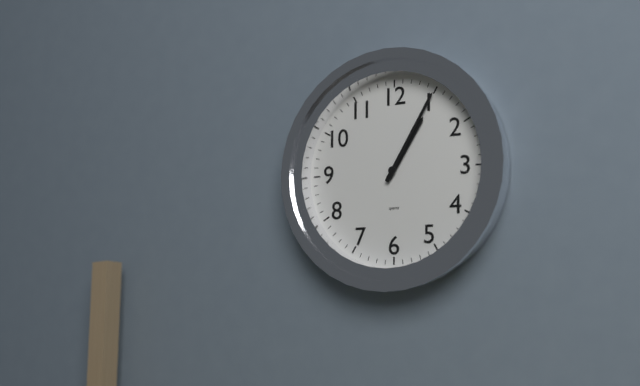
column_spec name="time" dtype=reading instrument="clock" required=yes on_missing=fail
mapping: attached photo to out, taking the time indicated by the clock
1:05
